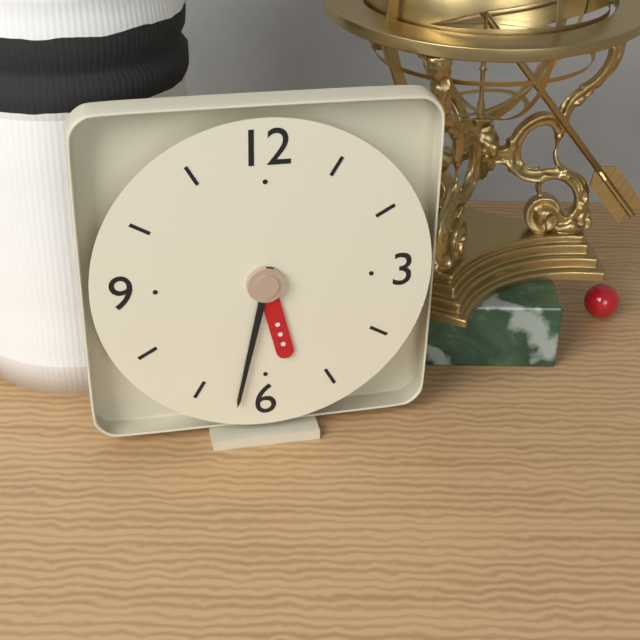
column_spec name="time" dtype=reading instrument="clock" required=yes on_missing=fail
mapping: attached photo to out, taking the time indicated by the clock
5:32
